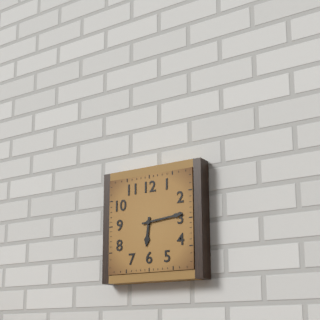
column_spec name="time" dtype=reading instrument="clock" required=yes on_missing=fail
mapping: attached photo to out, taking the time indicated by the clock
6:14
